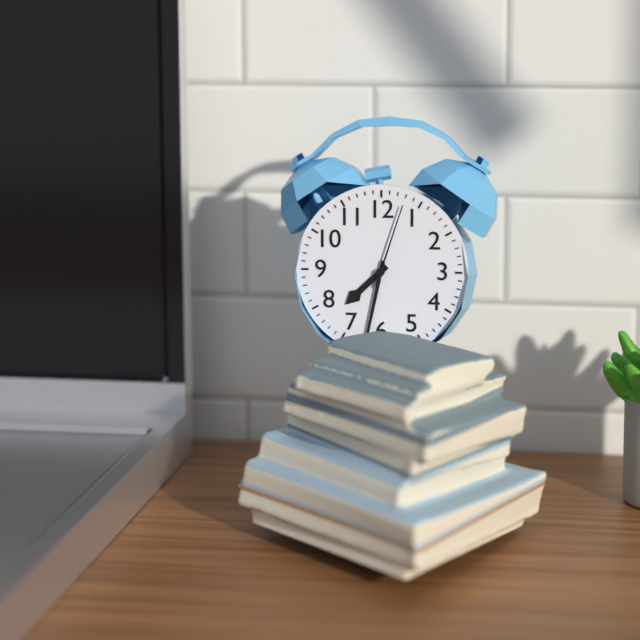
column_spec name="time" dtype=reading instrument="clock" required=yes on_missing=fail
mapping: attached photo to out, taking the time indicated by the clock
7:32:03
